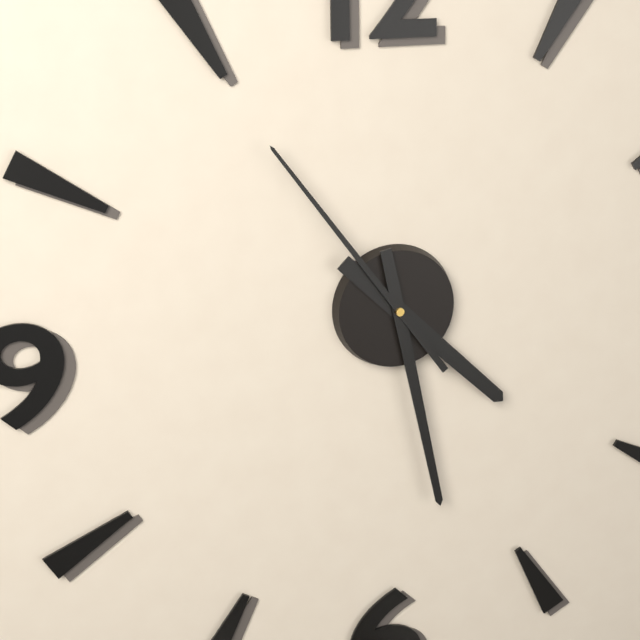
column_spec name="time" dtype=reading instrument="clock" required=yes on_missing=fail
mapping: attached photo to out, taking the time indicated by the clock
4:28:54
